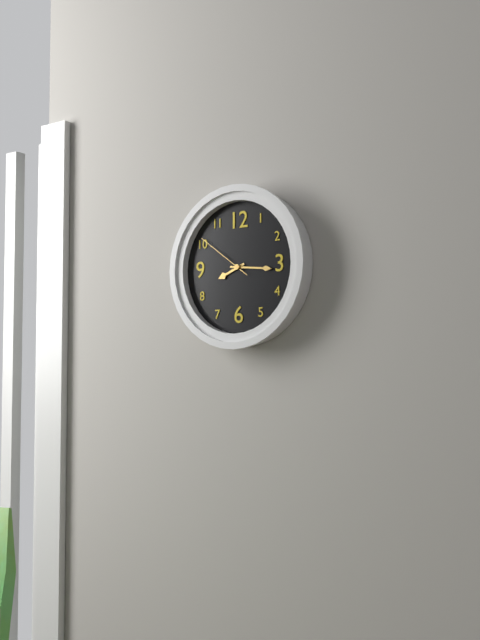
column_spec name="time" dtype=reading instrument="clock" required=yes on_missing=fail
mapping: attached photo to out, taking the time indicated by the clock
8:16:51
